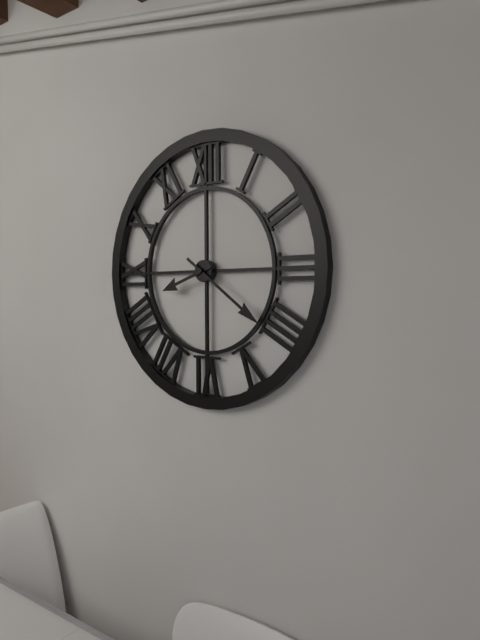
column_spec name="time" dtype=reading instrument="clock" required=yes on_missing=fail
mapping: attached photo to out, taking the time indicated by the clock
8:21
